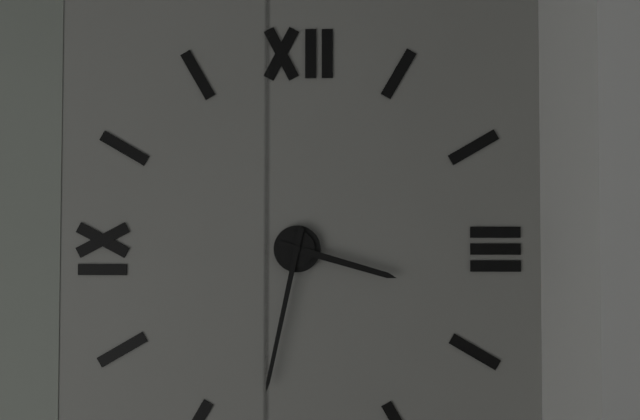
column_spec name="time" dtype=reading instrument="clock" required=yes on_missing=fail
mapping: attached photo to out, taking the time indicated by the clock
3:32
